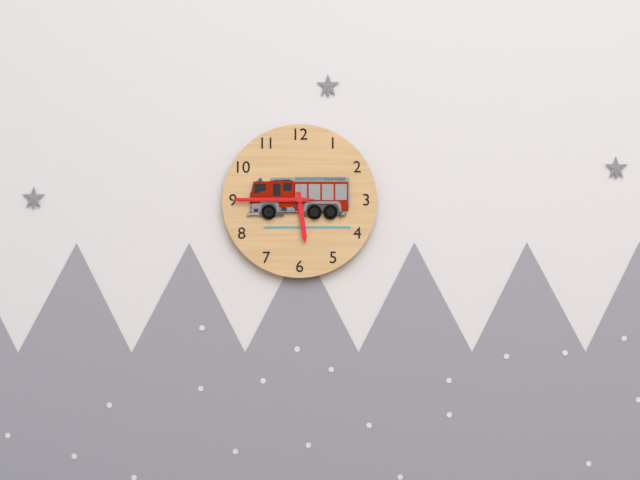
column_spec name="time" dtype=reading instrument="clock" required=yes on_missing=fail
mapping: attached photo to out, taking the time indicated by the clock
5:45:45
